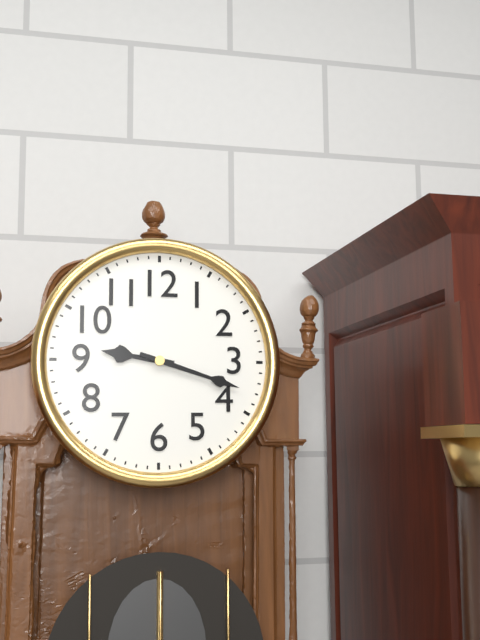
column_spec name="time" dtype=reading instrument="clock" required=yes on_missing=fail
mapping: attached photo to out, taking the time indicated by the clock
9:18
